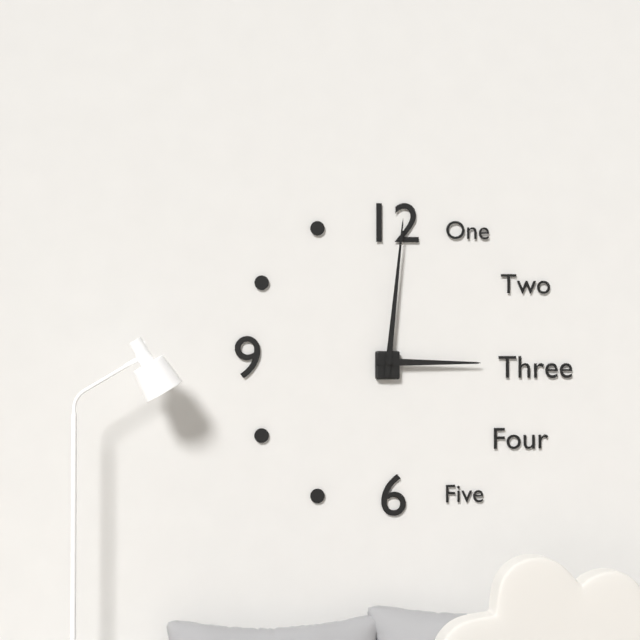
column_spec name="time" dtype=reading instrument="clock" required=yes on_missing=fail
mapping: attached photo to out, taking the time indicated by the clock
3:01
